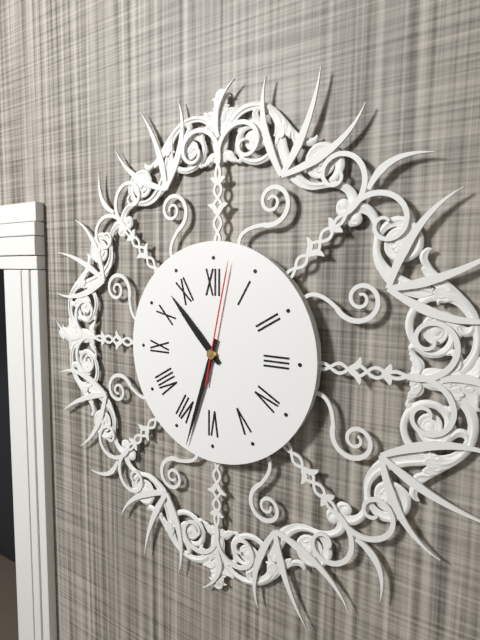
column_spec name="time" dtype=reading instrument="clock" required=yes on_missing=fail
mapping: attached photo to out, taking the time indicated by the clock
10:33:02
